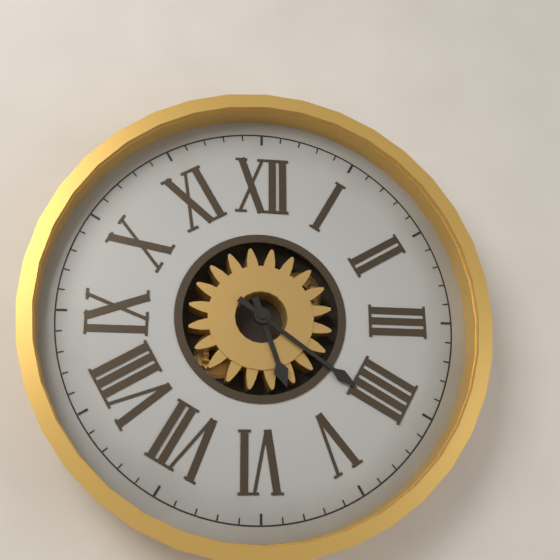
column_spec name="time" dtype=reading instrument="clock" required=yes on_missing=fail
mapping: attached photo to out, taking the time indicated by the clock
5:21
